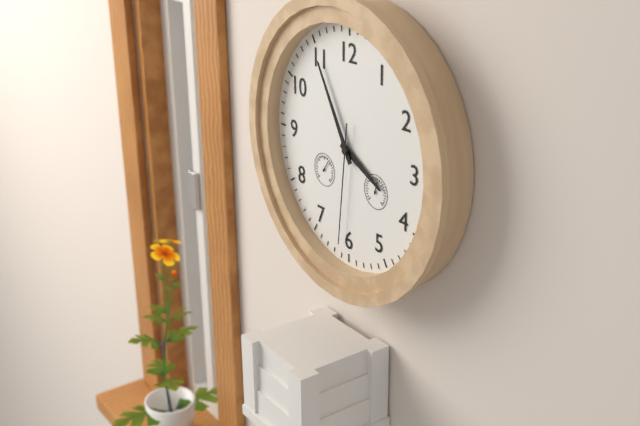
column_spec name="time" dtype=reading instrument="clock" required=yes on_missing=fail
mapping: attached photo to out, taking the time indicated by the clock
3:55:31
